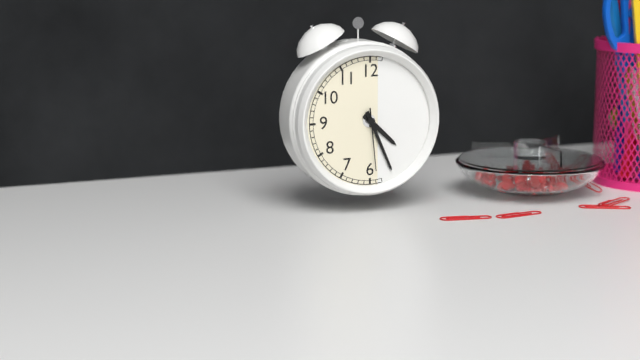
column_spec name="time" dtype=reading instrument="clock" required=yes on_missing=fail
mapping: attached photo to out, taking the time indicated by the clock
4:26:29
